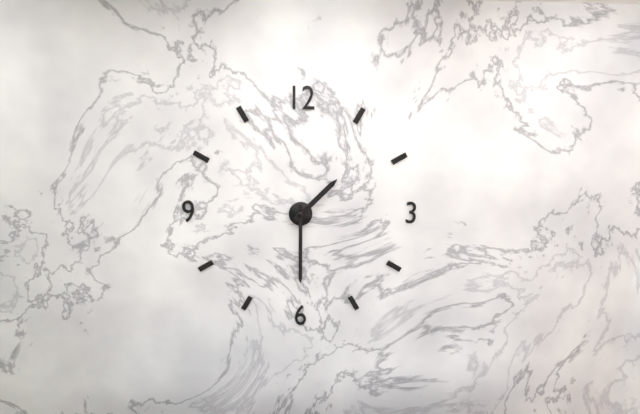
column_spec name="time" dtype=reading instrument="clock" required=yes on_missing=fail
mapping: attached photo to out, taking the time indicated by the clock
1:30
